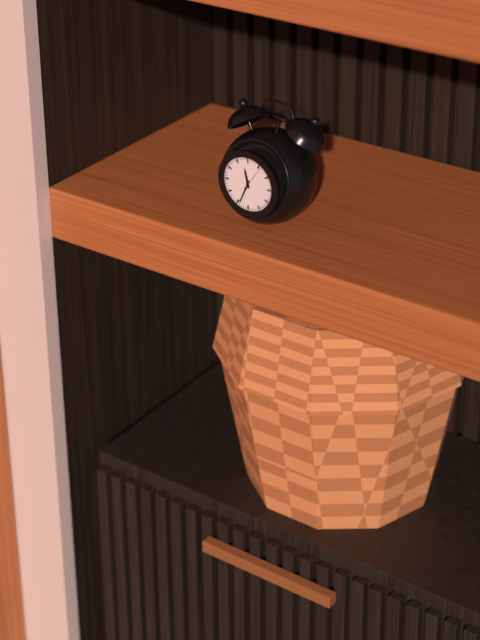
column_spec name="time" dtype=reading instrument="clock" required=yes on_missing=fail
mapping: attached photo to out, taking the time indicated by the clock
11:34
